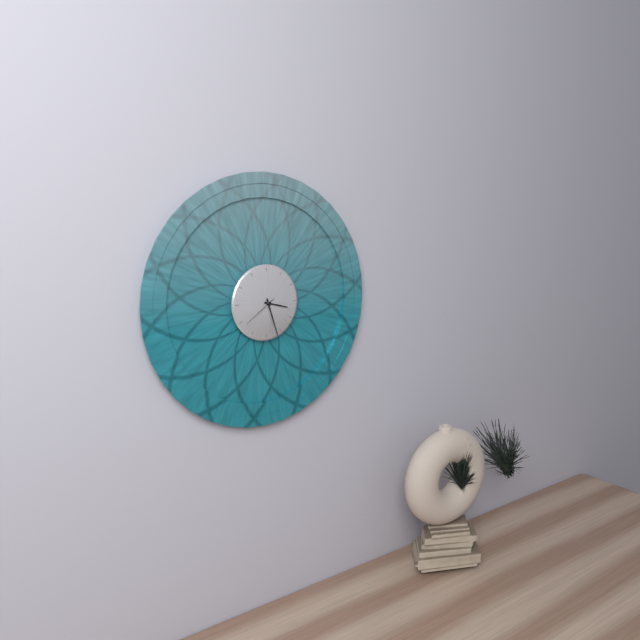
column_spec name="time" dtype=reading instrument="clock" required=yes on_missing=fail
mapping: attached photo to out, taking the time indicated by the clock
3:27
